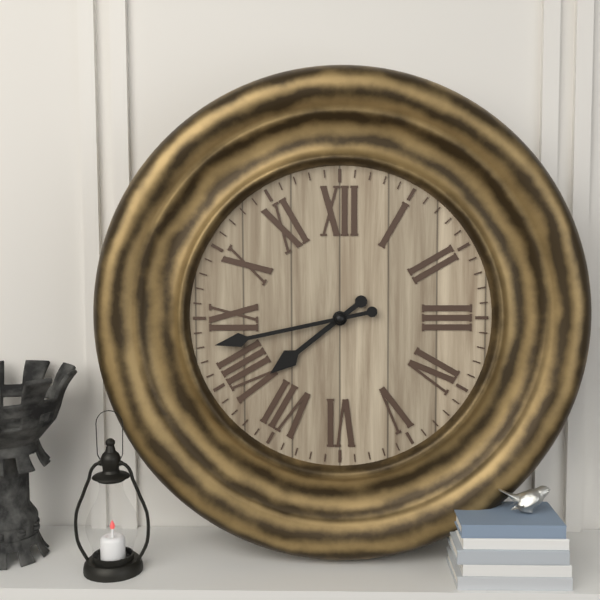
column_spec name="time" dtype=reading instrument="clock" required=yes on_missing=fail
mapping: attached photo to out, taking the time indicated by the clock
7:43
